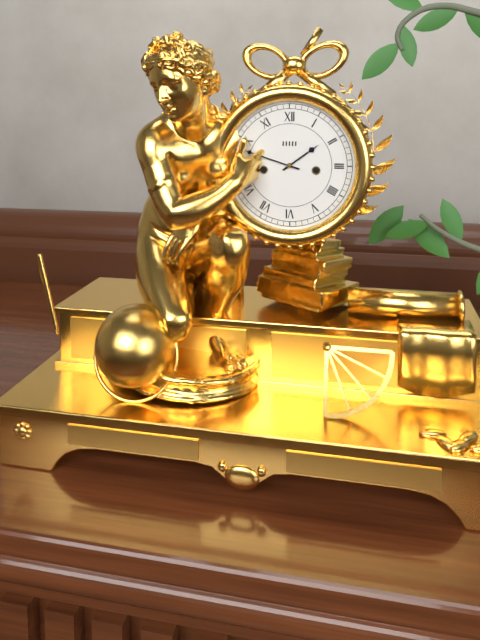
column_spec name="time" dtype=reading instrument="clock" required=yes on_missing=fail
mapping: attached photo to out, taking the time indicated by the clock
1:48
